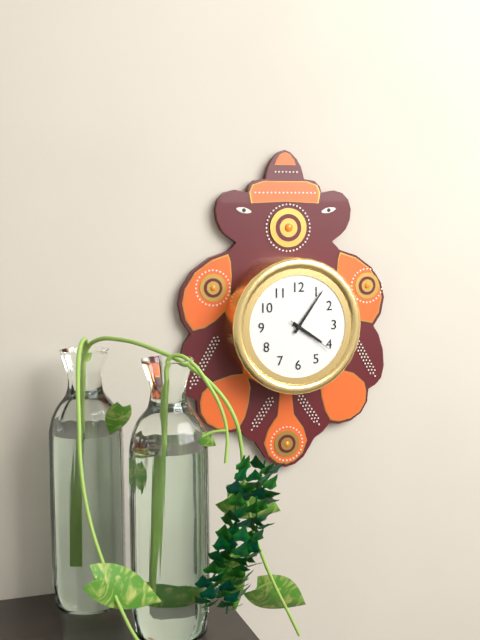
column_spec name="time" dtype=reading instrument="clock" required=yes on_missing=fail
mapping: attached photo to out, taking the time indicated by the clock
4:06:21
